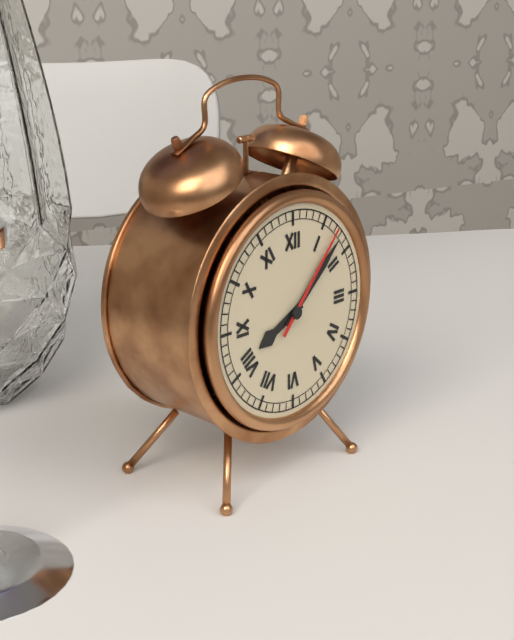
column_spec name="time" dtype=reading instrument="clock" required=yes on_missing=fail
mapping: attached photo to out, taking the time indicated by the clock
8:08:07
